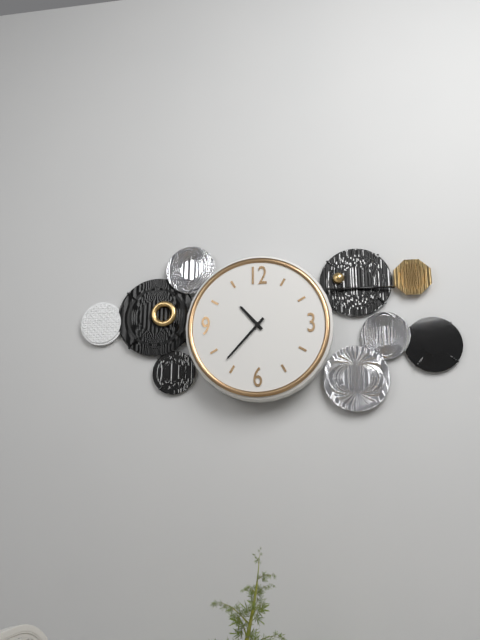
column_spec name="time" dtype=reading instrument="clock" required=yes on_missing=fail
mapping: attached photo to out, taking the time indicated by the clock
10:37
